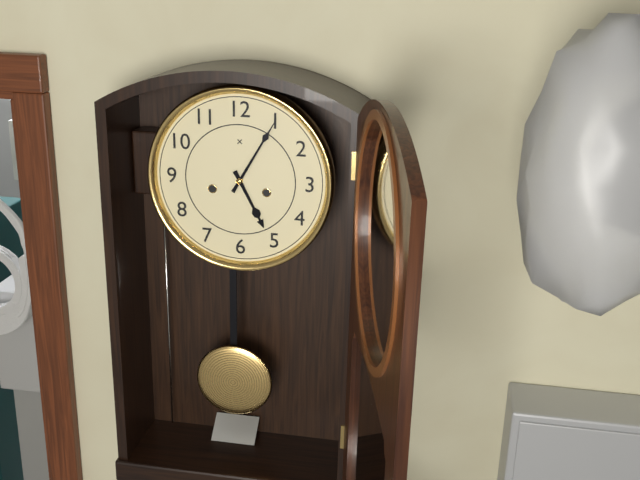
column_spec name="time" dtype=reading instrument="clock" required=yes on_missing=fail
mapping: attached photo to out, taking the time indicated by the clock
5:05
